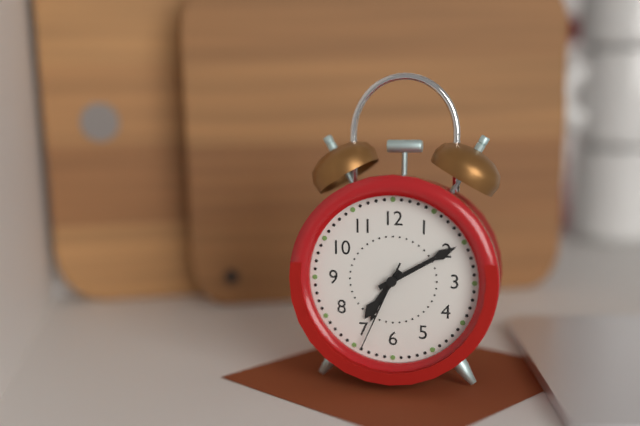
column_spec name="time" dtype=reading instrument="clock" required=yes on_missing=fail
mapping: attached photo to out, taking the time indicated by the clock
7:10:34
